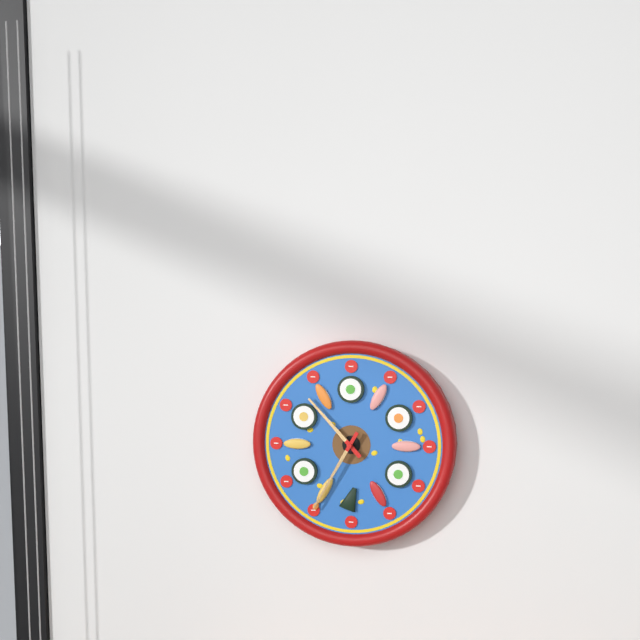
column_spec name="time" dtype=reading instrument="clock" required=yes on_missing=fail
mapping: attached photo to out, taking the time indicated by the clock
10:35
